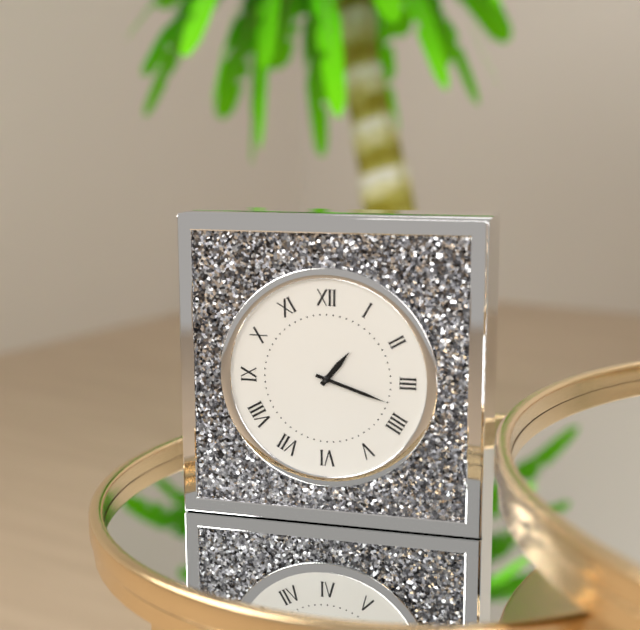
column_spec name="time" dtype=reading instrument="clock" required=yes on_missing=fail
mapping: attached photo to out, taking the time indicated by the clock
1:18
